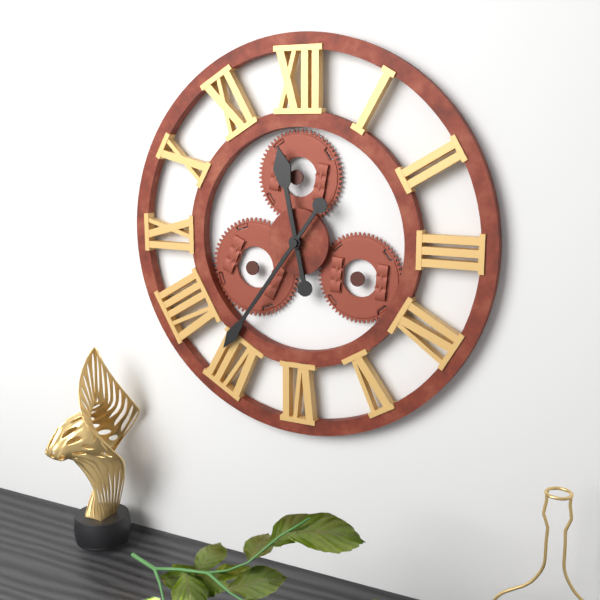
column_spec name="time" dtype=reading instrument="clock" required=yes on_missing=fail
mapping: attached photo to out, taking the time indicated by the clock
11:36
